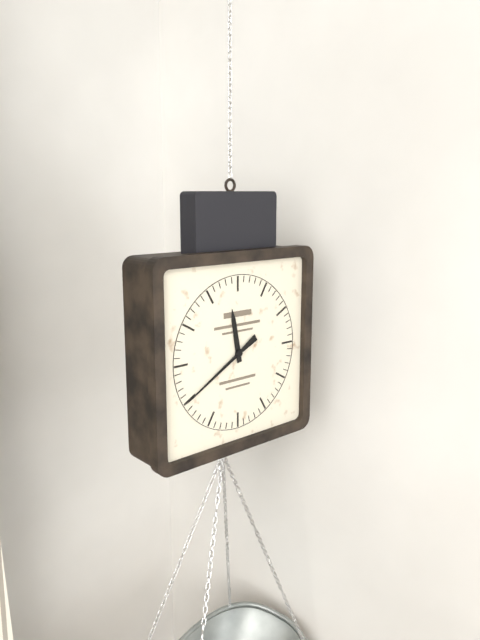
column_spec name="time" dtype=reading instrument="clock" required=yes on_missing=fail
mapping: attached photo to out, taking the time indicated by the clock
11:40
